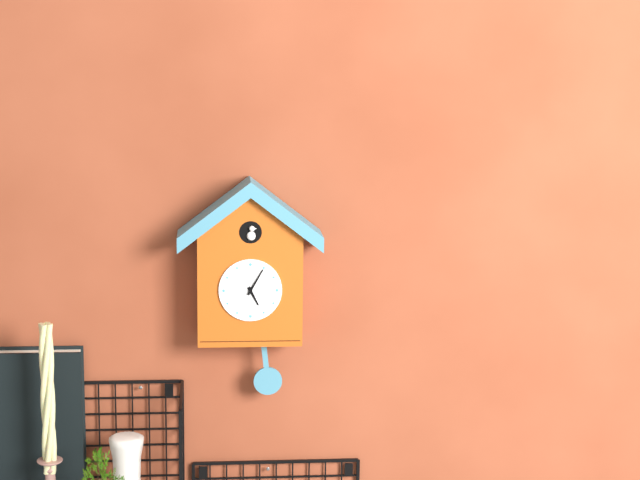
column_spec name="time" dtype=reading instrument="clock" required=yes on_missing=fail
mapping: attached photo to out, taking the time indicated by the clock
5:05
